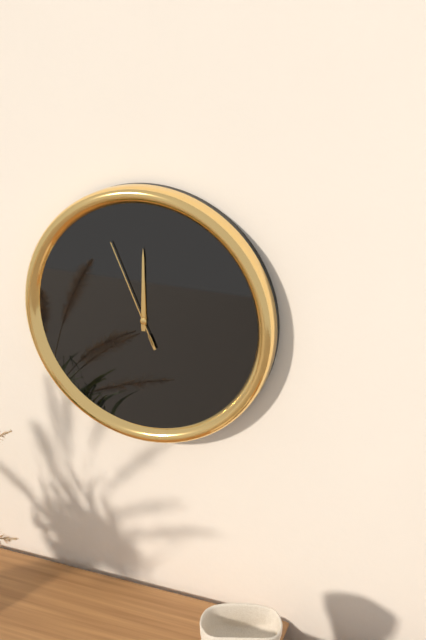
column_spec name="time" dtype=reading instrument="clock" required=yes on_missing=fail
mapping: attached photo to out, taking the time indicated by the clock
12:00:56
